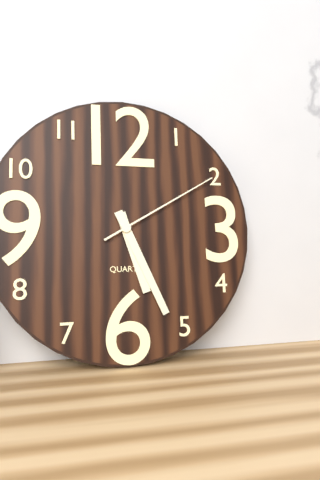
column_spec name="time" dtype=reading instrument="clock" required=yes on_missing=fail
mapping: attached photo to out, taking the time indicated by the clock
5:26:10
